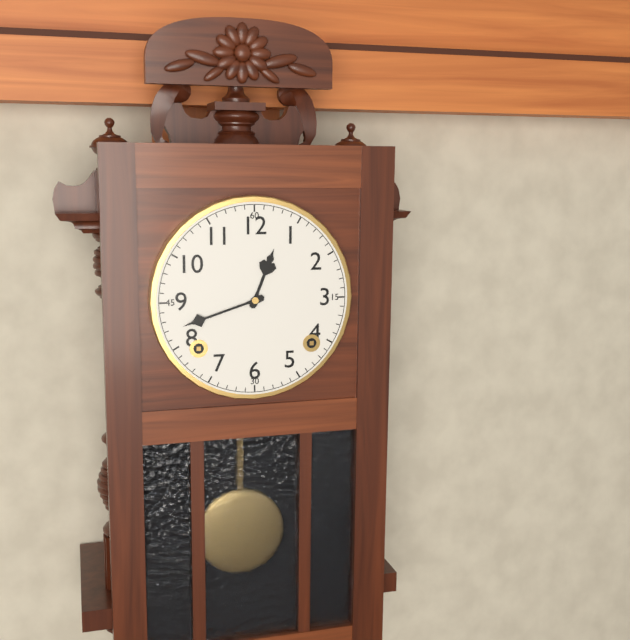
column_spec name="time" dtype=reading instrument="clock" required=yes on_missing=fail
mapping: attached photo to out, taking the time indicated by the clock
12:42
